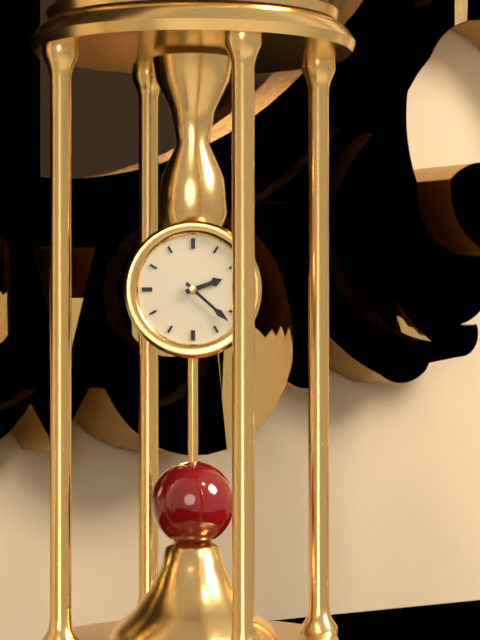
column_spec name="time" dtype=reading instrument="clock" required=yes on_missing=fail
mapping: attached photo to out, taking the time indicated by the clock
2:22
